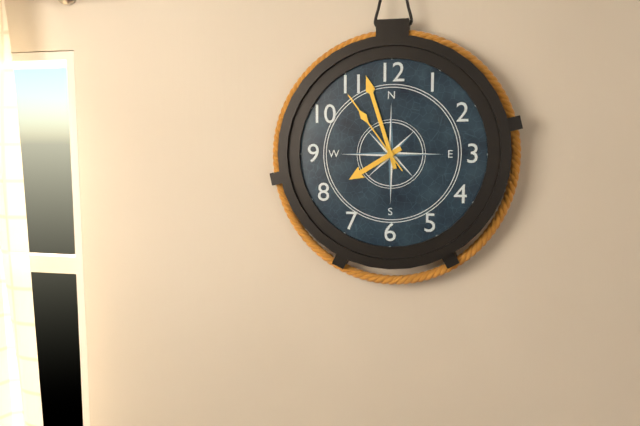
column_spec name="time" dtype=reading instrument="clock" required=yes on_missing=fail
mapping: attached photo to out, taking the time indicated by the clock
7:57:54
